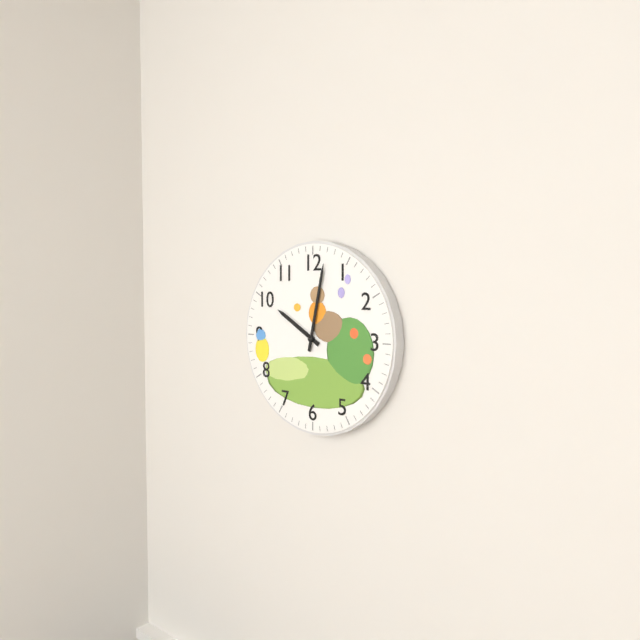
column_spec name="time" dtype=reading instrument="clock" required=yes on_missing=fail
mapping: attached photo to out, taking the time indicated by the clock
10:02
